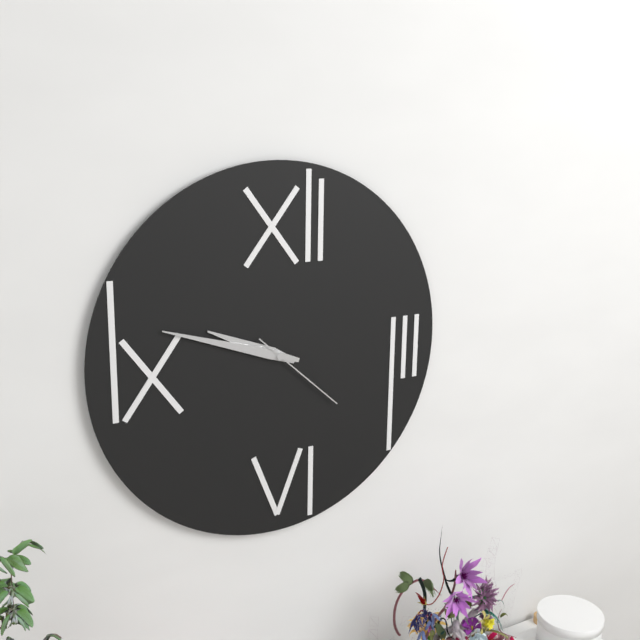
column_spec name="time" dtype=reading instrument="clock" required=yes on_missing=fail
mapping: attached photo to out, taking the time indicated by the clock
9:48:22
